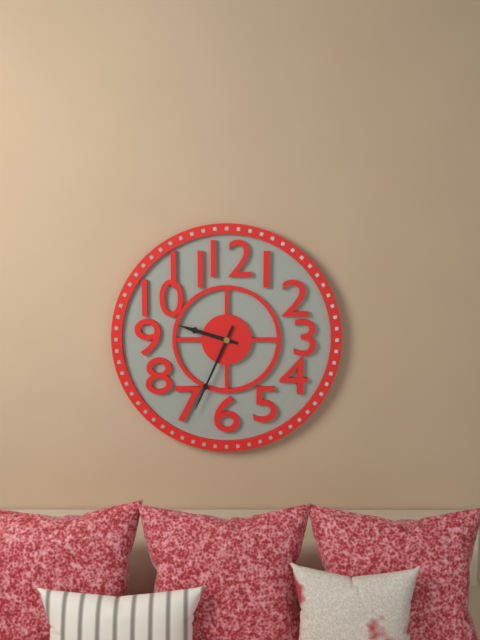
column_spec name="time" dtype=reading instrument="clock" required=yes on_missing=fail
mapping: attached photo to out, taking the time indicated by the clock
9:34
